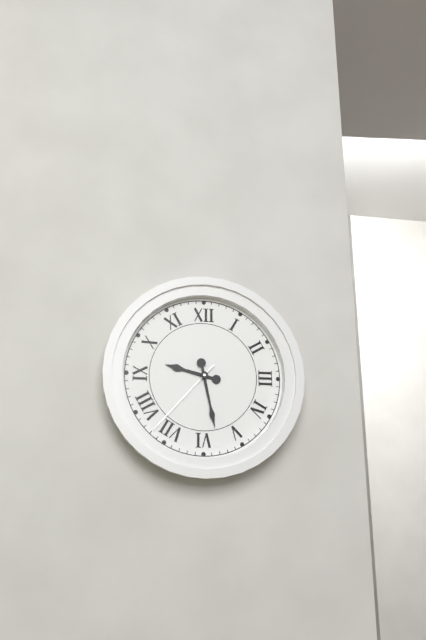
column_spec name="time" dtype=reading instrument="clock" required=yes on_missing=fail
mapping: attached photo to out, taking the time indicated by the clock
9:28:37
